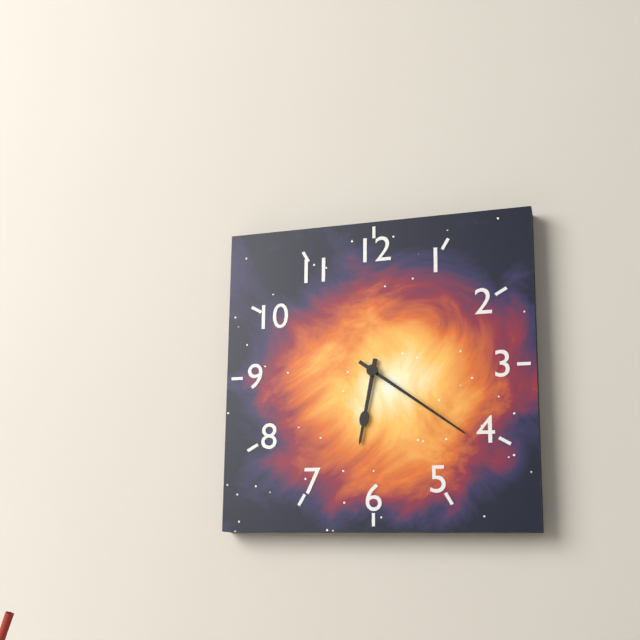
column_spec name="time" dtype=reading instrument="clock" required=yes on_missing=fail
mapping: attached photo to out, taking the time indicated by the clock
6:21
